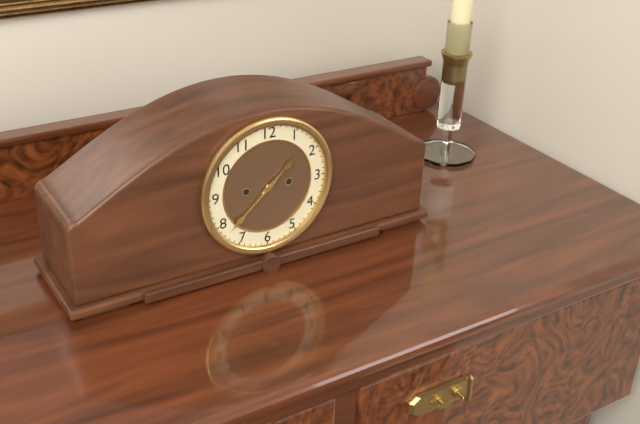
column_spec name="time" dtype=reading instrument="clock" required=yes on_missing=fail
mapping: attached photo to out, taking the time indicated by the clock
1:38
